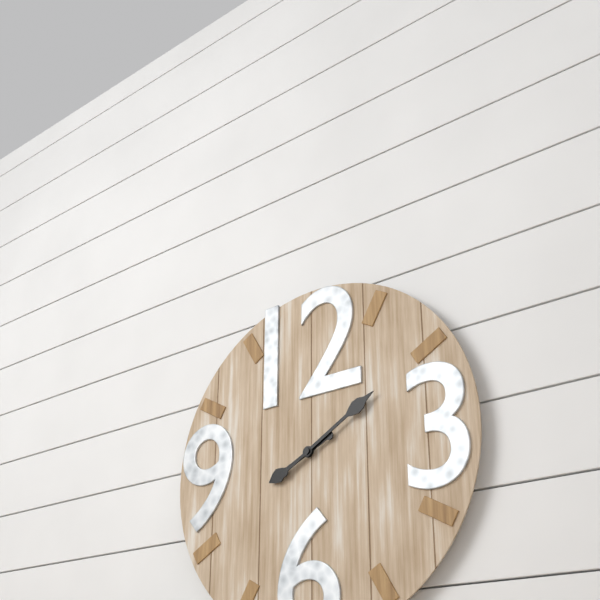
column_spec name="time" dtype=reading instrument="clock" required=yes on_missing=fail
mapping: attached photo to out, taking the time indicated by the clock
8:10
